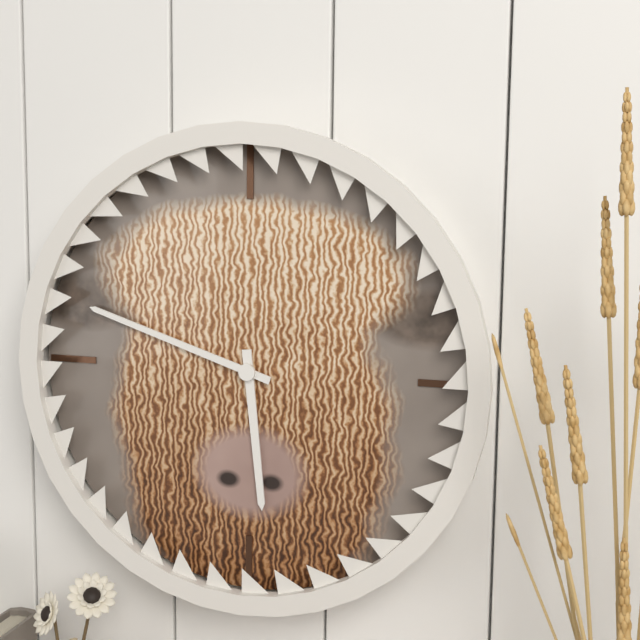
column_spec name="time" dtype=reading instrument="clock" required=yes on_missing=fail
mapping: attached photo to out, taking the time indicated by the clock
5:48
